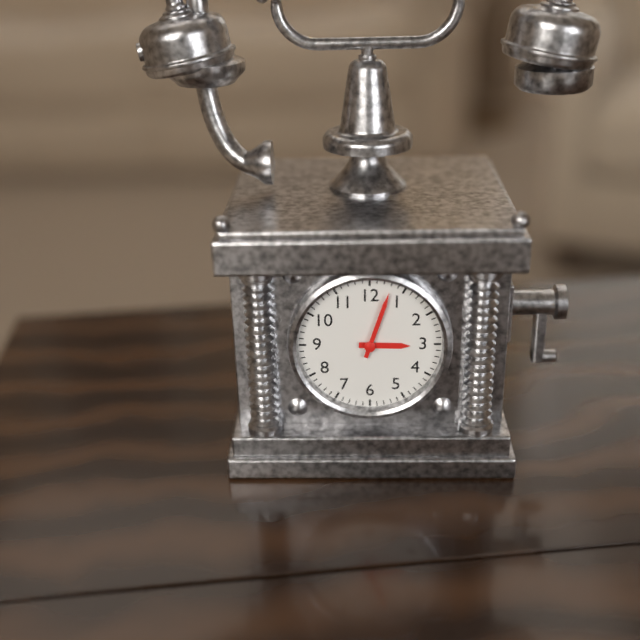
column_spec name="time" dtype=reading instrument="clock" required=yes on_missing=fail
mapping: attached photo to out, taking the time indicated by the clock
3:03
